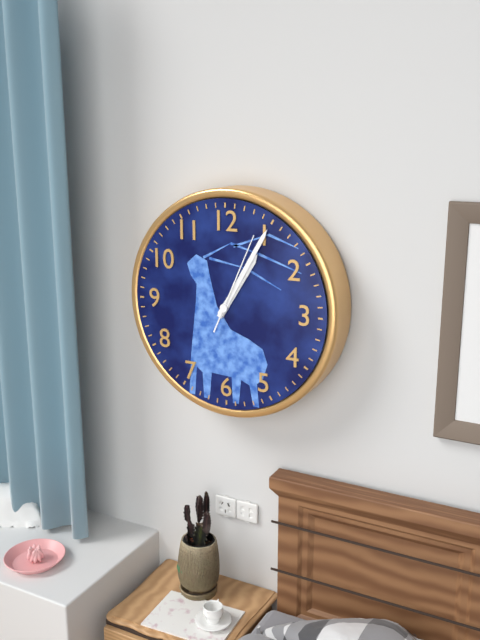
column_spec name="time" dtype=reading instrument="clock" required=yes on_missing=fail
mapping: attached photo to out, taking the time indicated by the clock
1:05:04
